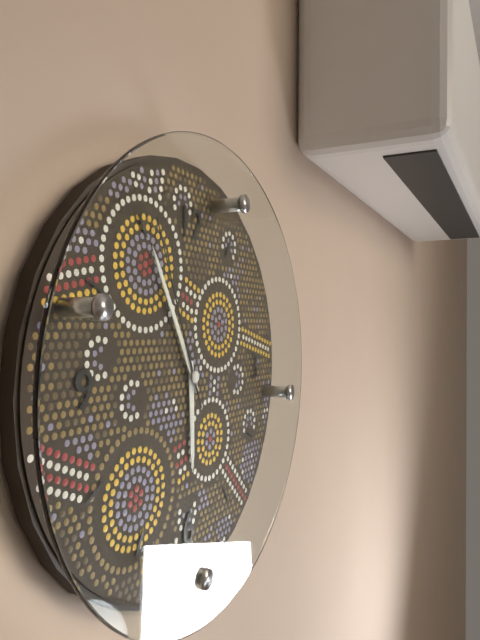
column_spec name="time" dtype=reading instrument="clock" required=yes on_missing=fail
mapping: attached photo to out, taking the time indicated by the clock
5:55:56
